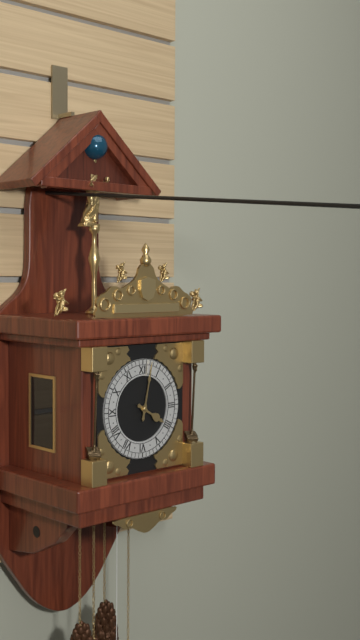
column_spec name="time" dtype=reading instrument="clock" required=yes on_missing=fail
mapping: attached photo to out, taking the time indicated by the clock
4:02
